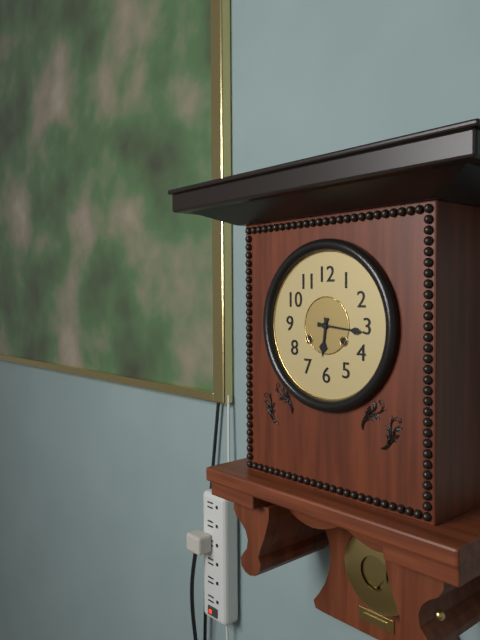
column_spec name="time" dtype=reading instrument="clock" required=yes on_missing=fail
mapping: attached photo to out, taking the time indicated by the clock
6:16
